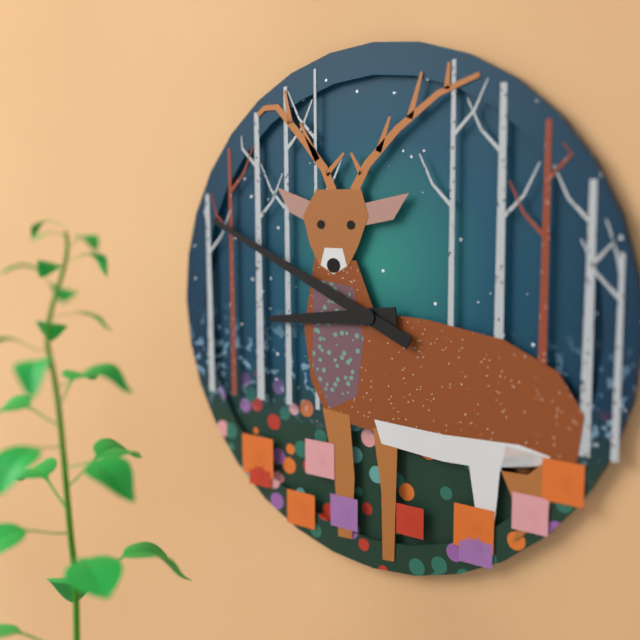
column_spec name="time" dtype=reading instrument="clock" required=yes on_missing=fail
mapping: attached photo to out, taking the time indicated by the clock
8:49
